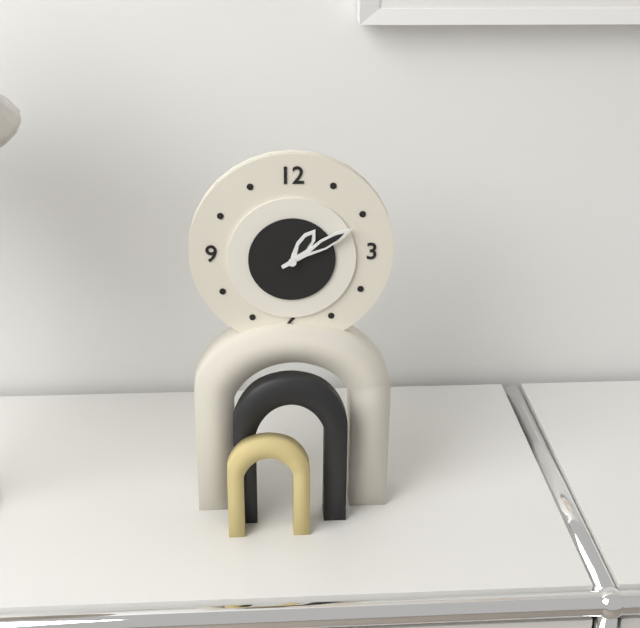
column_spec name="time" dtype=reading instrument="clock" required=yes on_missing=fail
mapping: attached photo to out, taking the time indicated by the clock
1:10
